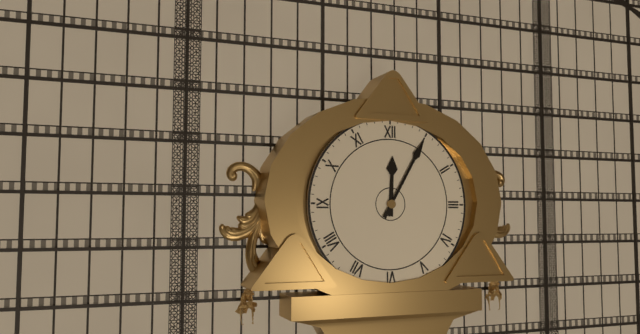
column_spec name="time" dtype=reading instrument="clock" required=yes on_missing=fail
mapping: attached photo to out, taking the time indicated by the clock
12:05
